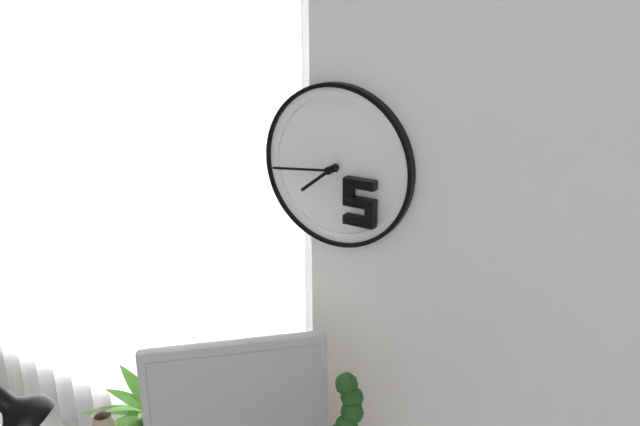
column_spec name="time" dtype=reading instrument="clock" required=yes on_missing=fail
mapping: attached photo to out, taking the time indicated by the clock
7:44
